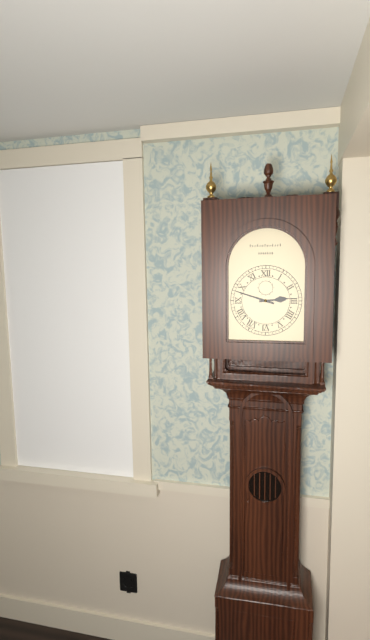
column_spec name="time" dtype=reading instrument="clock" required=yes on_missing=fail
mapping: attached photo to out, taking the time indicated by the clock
2:48
